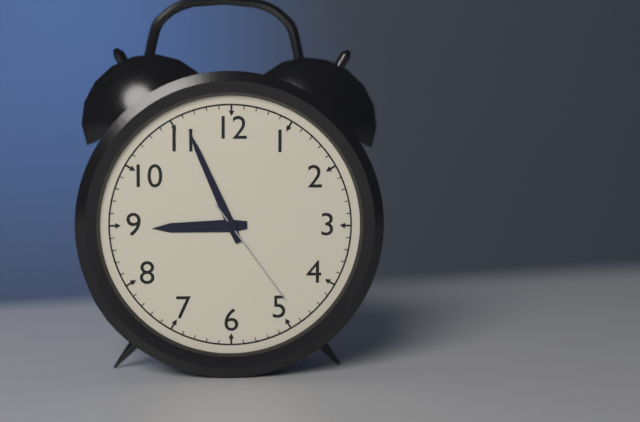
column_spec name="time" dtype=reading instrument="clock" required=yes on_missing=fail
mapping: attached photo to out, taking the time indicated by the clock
8:56:24
